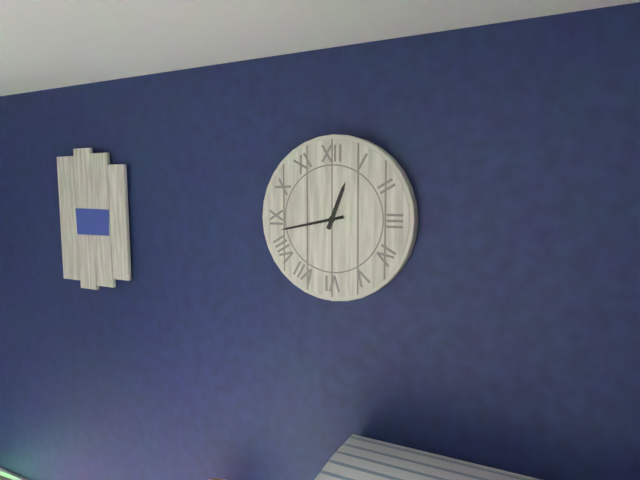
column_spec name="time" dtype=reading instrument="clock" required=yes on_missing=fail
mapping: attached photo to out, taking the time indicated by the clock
12:43
